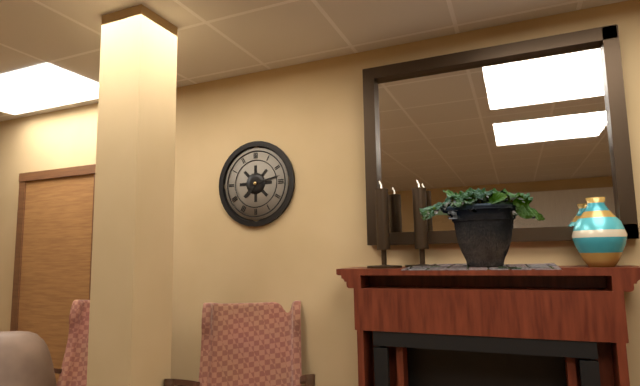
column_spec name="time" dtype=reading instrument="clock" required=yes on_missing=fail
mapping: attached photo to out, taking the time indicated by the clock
7:13
